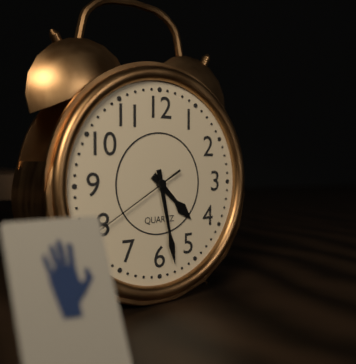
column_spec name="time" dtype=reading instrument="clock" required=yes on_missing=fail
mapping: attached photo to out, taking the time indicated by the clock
4:28:40
